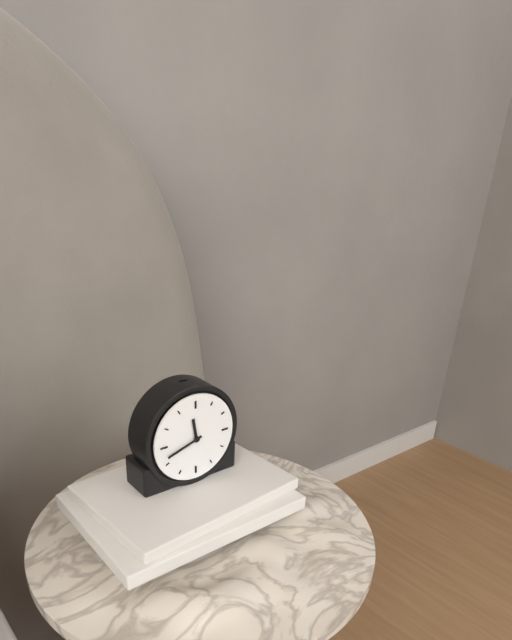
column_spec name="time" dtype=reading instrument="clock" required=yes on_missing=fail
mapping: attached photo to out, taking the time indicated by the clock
11:42
